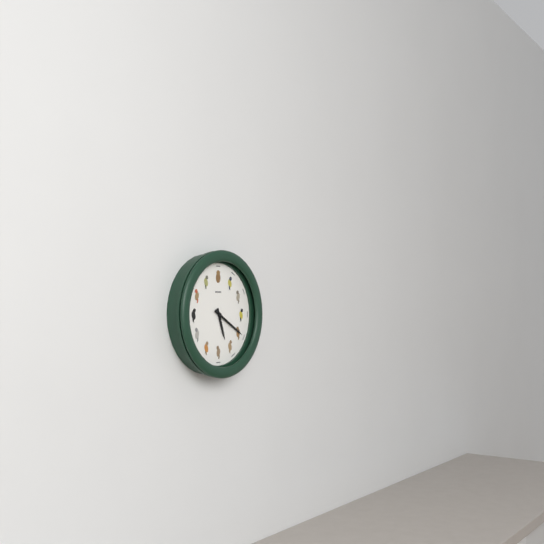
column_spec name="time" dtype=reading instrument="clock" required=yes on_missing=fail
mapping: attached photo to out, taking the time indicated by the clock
5:20
